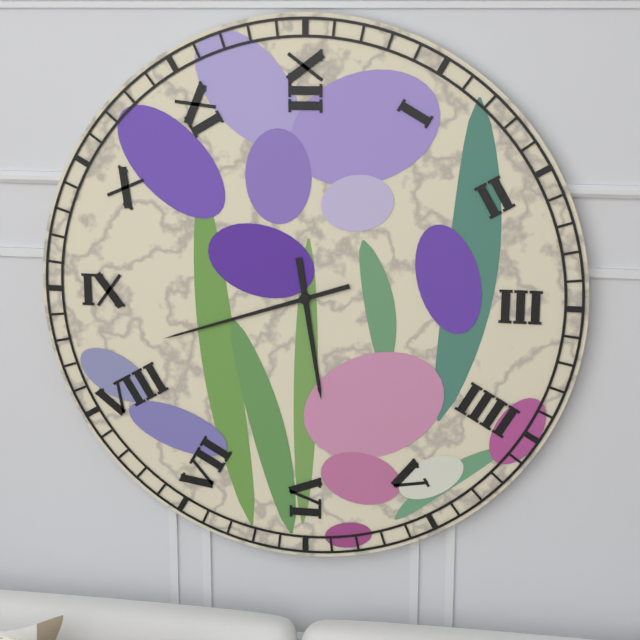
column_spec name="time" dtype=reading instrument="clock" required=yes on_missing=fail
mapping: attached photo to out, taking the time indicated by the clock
5:42
